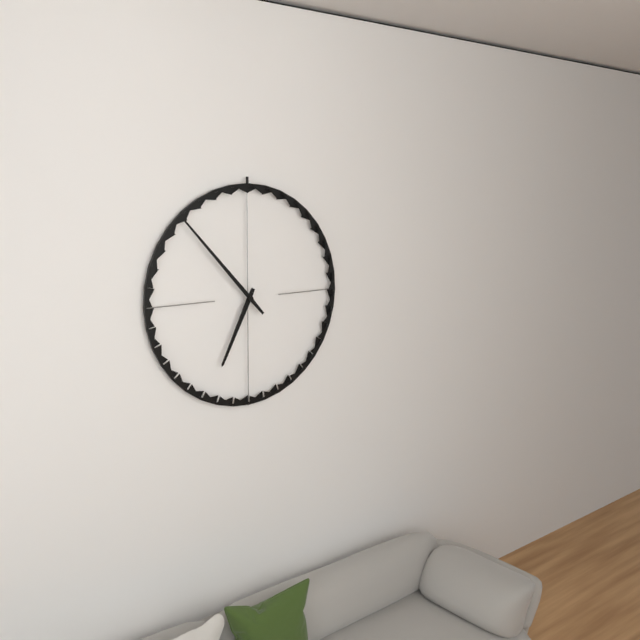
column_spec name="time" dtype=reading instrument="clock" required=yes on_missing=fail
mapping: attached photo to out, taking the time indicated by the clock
6:53
